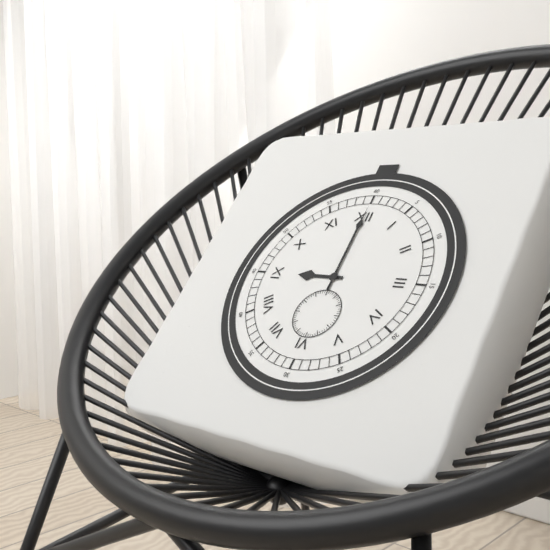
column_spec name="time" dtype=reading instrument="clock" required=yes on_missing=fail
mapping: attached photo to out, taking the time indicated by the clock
9:00
